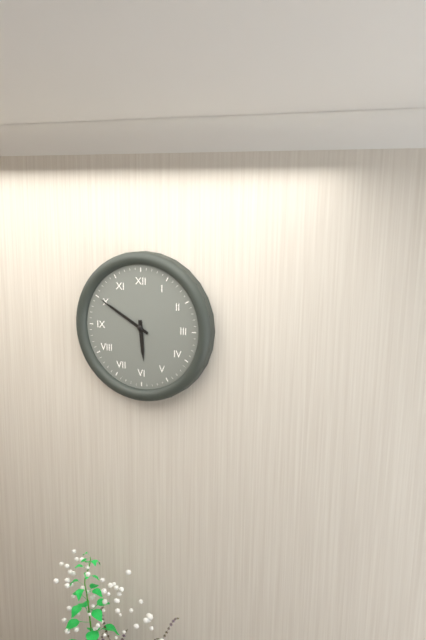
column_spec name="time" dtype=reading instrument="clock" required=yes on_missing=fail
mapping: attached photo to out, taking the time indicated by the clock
5:50
